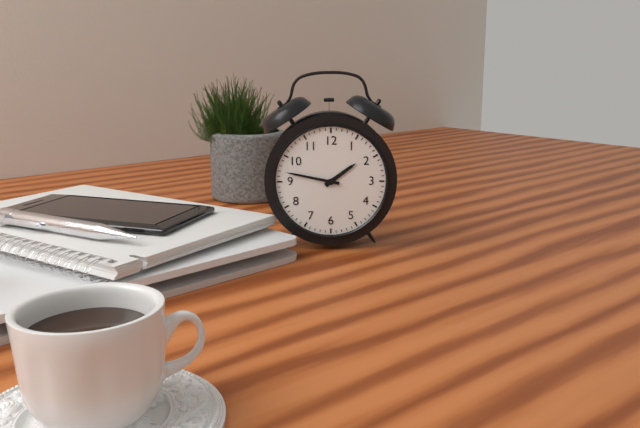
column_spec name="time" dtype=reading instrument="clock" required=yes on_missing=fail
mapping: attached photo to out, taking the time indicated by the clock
1:47
